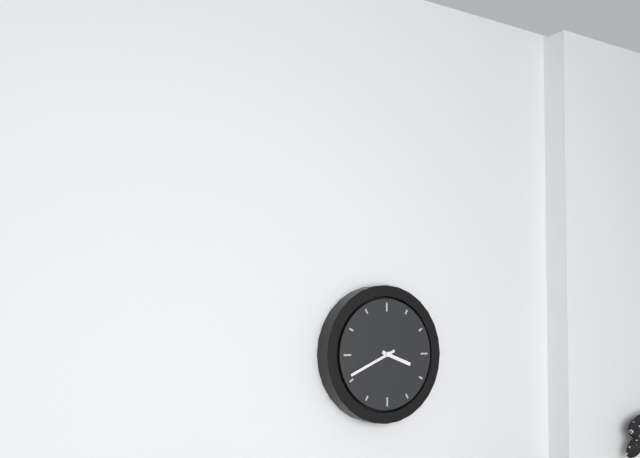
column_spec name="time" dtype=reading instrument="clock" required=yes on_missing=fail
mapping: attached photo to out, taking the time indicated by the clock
3:41
